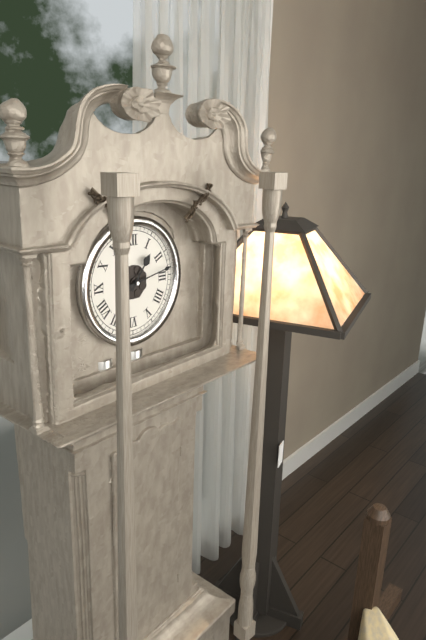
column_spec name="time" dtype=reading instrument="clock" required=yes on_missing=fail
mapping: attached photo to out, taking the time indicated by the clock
1:13
